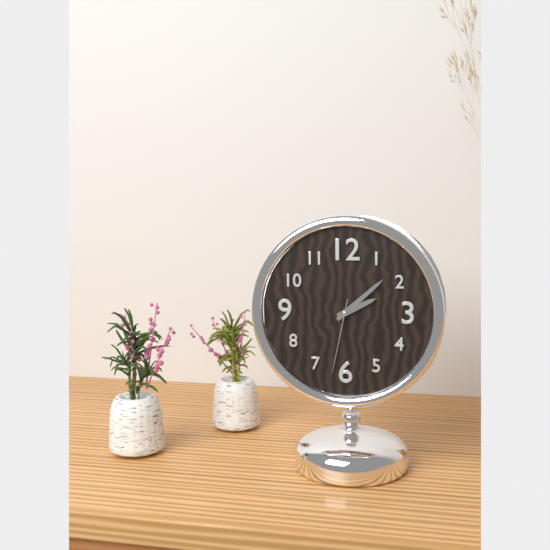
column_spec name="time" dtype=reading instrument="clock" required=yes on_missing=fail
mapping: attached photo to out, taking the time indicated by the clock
2:08:32
